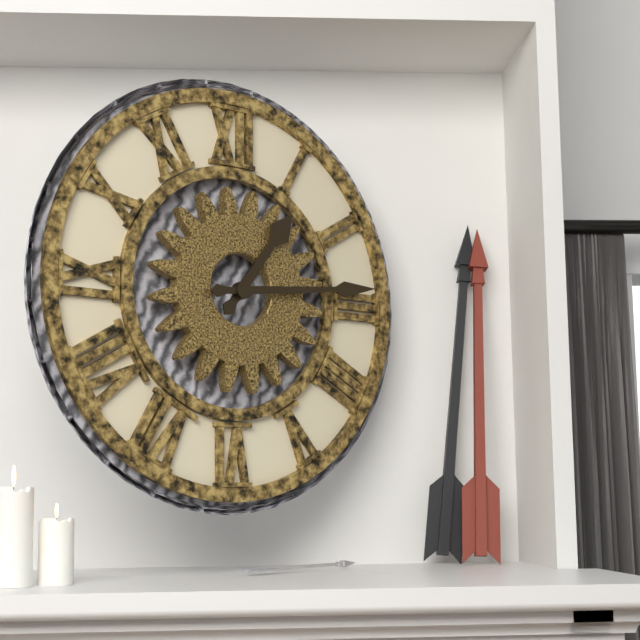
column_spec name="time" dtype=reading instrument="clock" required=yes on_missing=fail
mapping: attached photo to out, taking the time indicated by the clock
1:14
